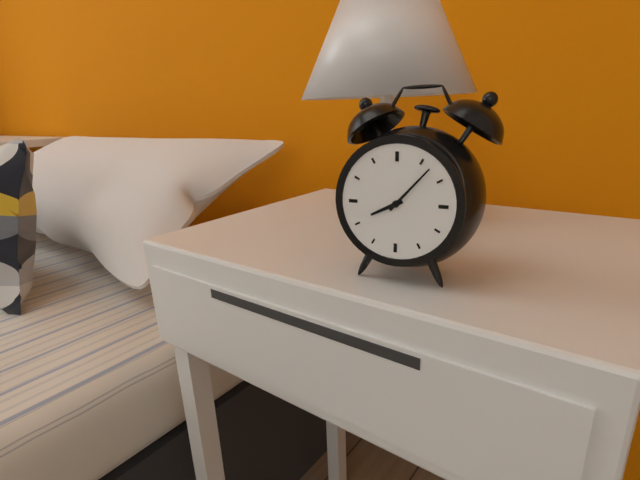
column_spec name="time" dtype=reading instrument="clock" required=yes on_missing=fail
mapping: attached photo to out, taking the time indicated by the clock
8:07
